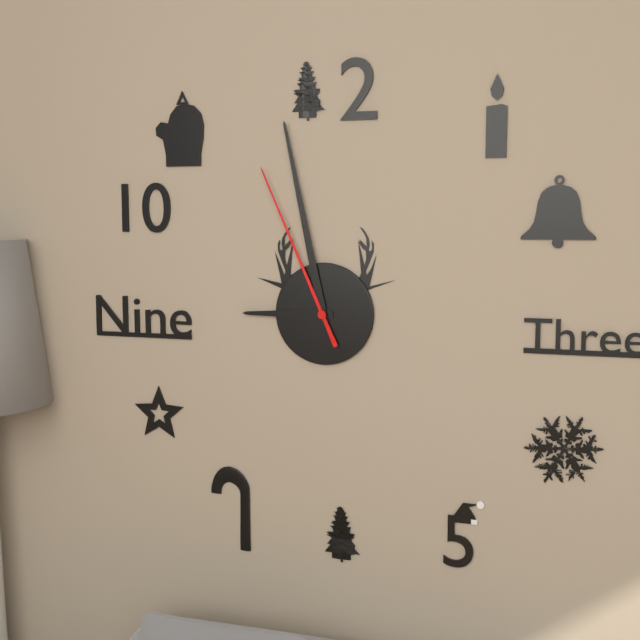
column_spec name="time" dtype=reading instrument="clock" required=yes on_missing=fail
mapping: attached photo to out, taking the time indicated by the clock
8:58:56
